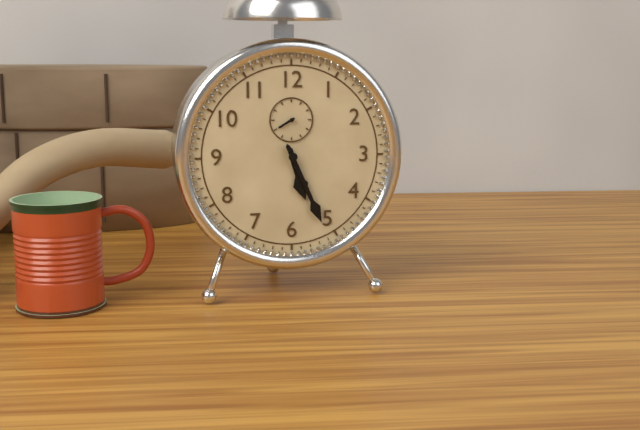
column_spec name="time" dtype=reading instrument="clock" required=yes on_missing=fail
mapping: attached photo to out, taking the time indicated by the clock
5:26
